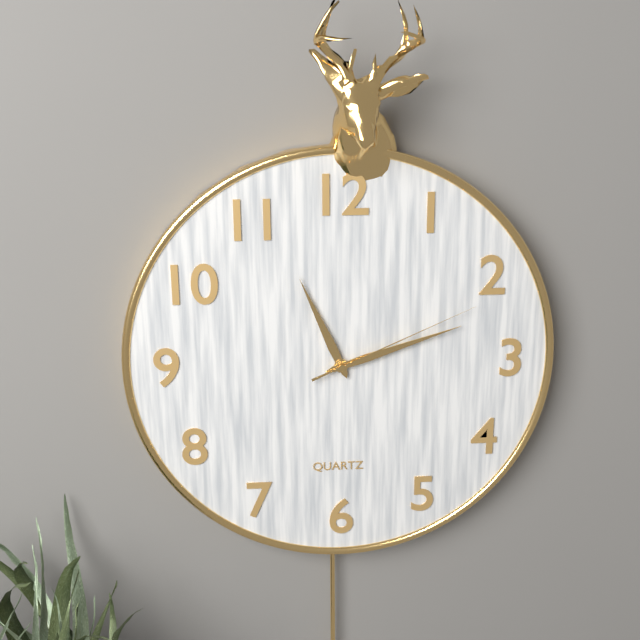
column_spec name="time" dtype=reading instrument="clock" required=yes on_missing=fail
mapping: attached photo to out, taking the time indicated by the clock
11:12:11
